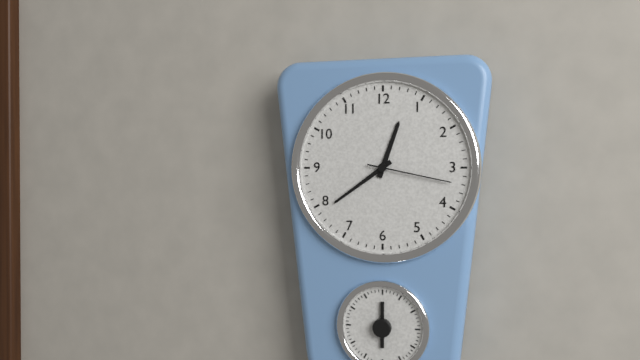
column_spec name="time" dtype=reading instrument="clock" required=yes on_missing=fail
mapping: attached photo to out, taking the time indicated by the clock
12:39:17
